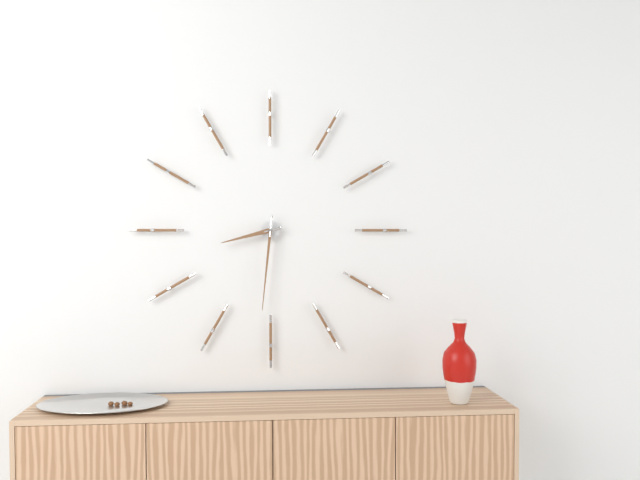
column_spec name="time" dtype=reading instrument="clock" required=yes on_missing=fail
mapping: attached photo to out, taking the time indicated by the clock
8:31
